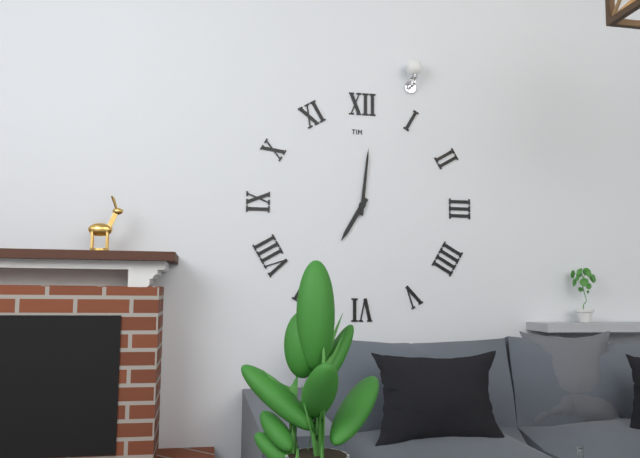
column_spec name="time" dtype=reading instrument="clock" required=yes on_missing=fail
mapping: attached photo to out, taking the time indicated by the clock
7:01
